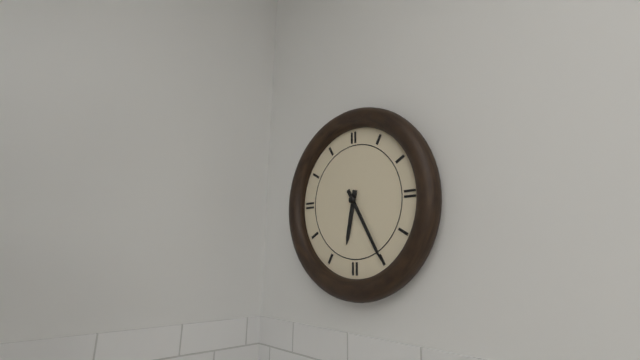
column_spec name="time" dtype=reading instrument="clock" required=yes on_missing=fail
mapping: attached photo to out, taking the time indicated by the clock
6:25
